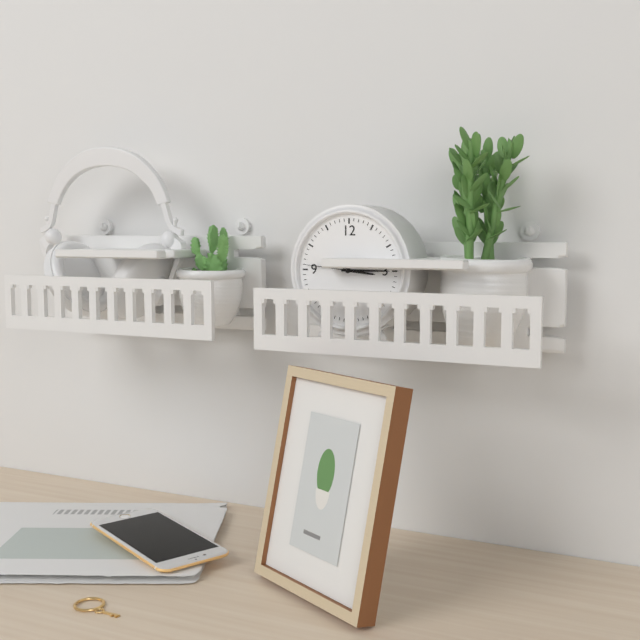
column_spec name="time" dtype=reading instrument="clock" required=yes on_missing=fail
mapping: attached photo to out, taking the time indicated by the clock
3:15:46
